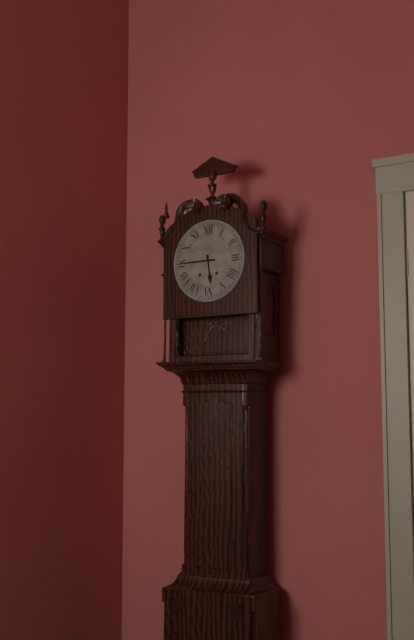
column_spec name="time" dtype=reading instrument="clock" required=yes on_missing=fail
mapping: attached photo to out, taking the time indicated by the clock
5:45
